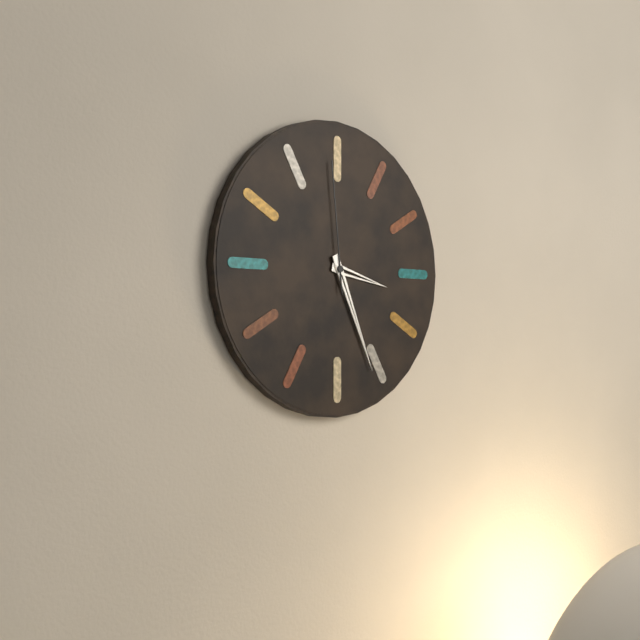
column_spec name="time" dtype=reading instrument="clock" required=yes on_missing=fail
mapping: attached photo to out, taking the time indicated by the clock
3:26:59
